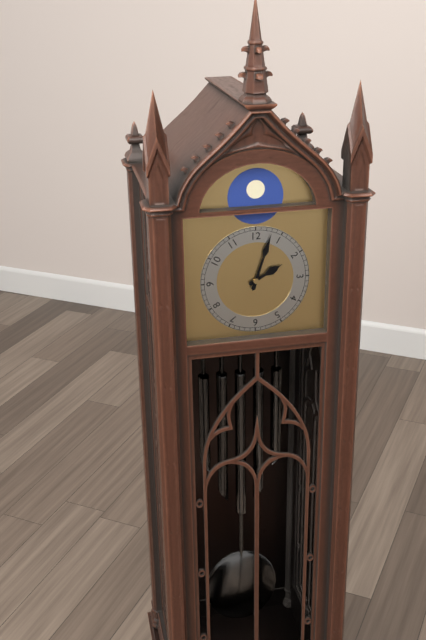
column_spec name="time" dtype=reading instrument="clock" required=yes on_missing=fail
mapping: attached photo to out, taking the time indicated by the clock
2:03
